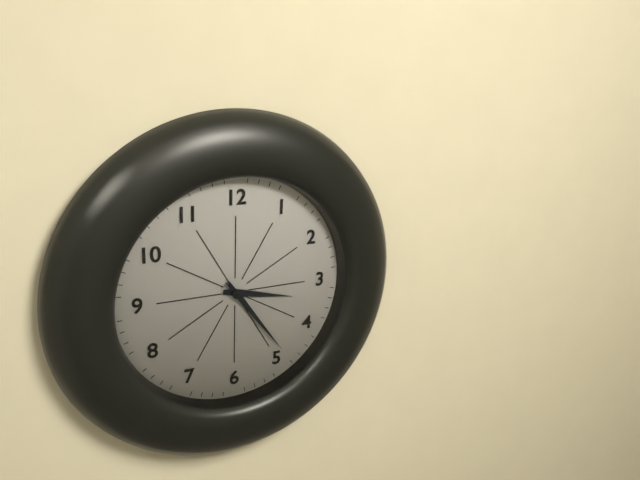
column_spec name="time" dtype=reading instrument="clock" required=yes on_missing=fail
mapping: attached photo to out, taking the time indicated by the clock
3:24
